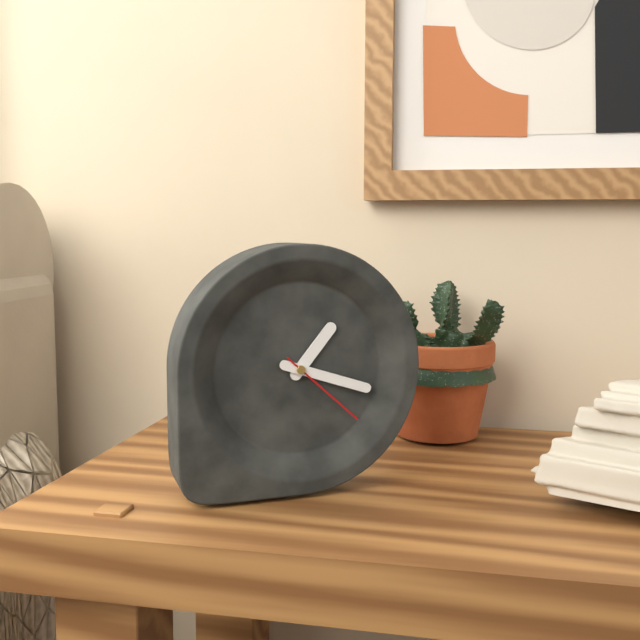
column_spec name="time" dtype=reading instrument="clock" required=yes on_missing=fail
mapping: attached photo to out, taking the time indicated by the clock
1:18:22
